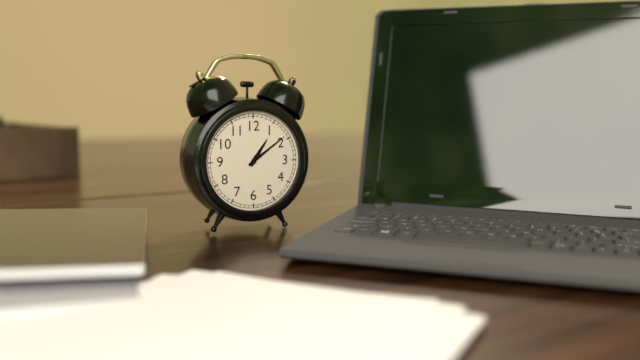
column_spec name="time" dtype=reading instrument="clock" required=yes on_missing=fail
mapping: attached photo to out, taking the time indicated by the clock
1:09
